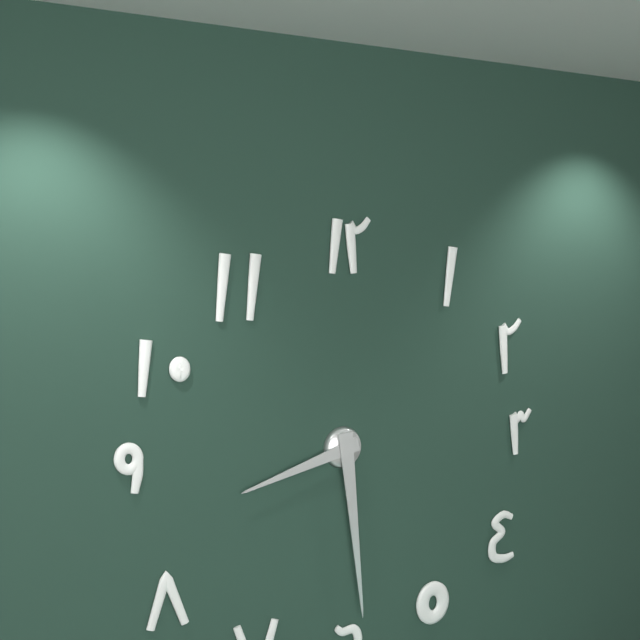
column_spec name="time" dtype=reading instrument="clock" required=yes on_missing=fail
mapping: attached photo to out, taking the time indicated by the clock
8:29
